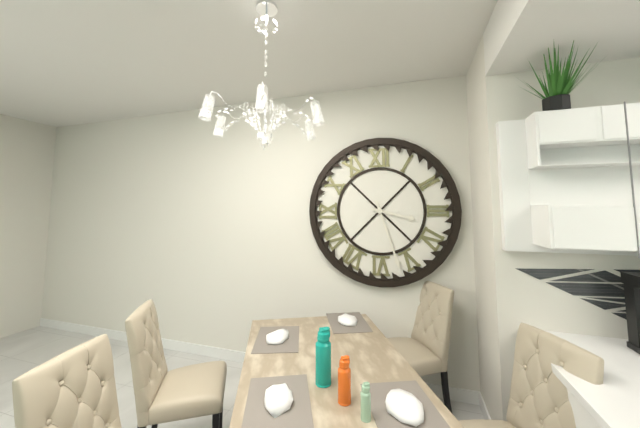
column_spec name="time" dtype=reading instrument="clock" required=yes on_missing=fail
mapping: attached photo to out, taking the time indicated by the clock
3:27
